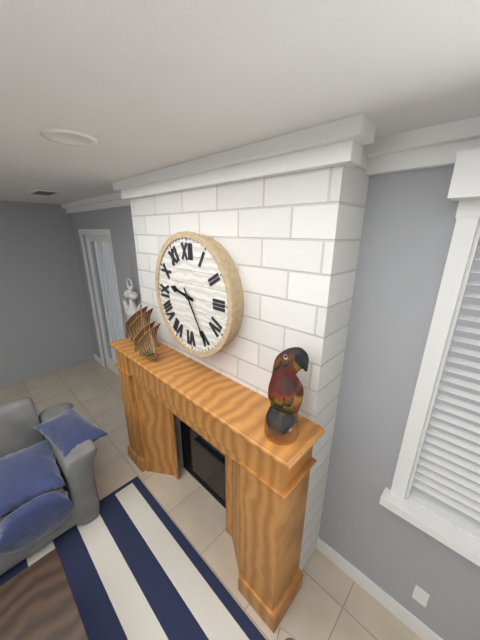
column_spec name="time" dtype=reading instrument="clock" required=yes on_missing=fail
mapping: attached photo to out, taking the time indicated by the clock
9:25
